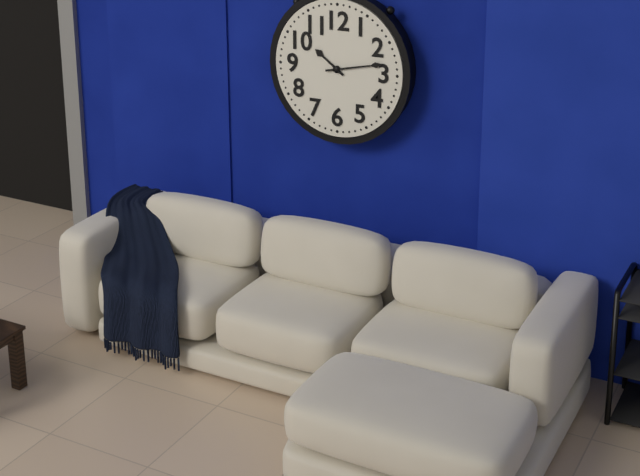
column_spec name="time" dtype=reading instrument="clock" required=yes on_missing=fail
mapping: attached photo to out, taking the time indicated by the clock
10:13
